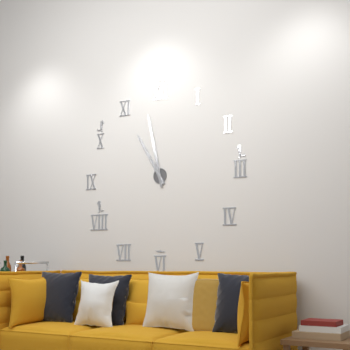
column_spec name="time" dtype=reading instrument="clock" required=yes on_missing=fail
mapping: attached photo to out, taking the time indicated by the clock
10:58
